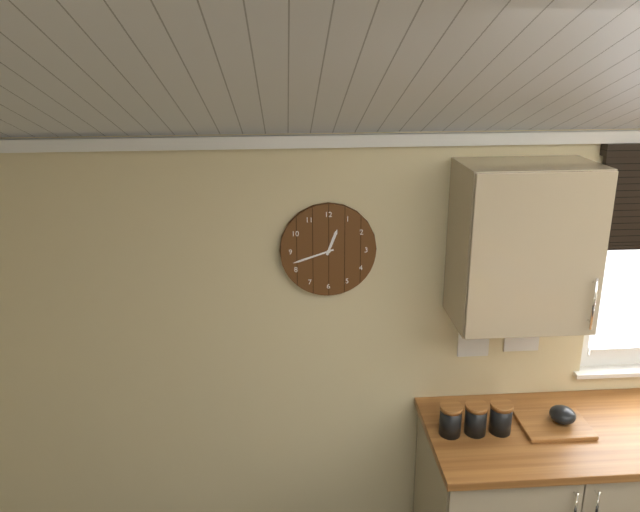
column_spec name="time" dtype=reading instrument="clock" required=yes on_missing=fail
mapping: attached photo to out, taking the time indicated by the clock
12:42
